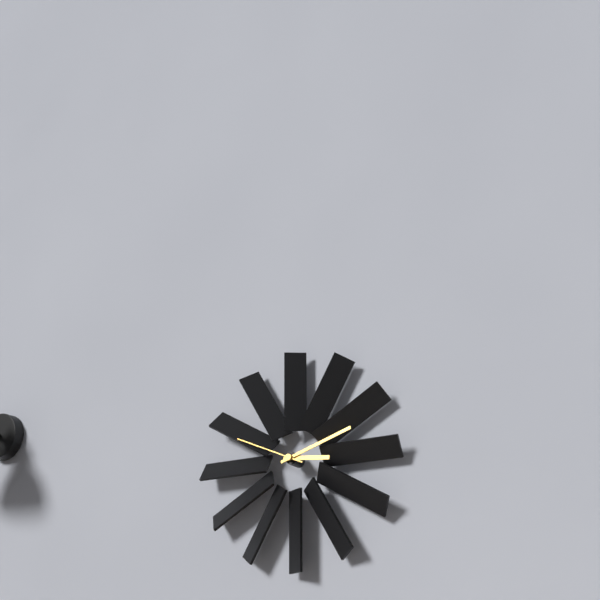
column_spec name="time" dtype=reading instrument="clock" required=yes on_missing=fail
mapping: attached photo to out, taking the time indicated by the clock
3:12:49
